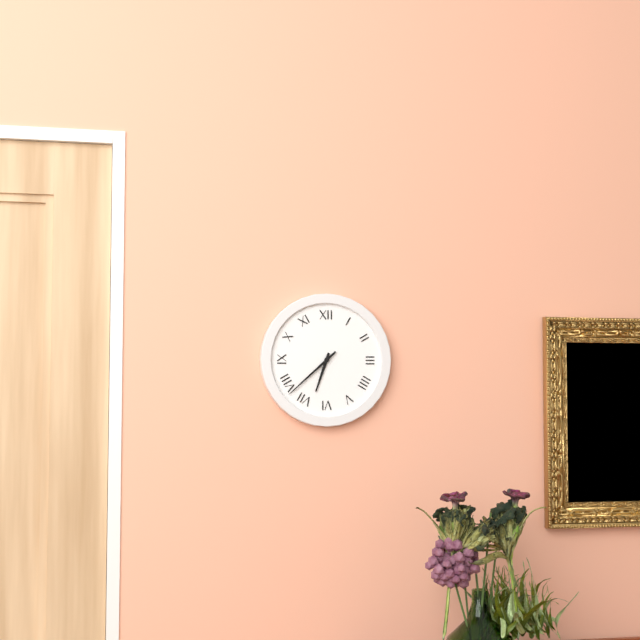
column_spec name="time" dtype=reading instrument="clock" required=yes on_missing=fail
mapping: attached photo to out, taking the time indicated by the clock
6:38
